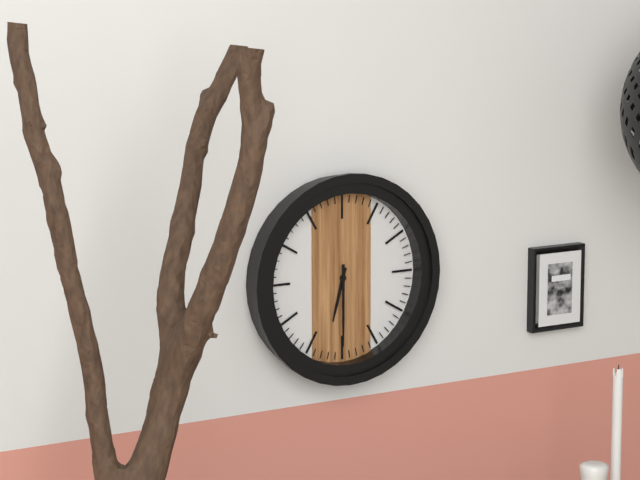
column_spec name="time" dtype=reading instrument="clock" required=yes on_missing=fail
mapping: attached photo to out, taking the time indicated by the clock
6:30
